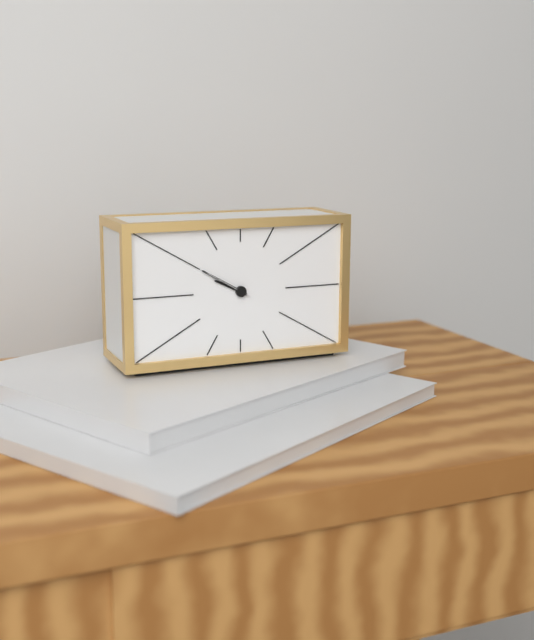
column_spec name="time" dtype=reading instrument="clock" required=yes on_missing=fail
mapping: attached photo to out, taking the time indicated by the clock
9:50
